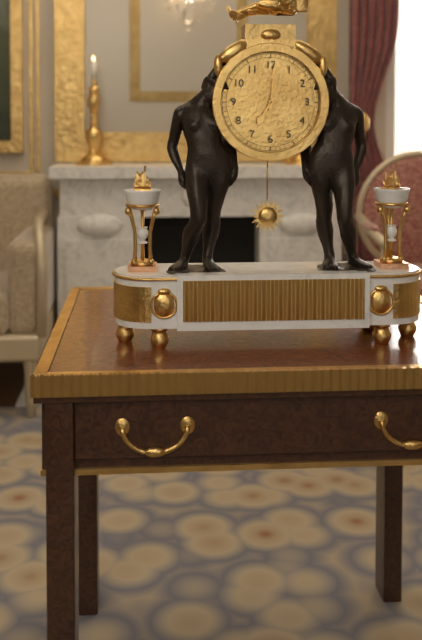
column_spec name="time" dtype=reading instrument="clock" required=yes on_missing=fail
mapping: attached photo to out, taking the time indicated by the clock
7:01
